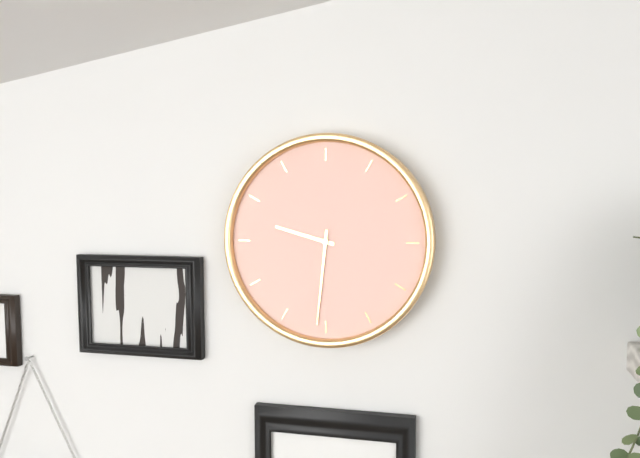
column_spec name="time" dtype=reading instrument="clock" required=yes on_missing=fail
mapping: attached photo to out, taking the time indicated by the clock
9:31
